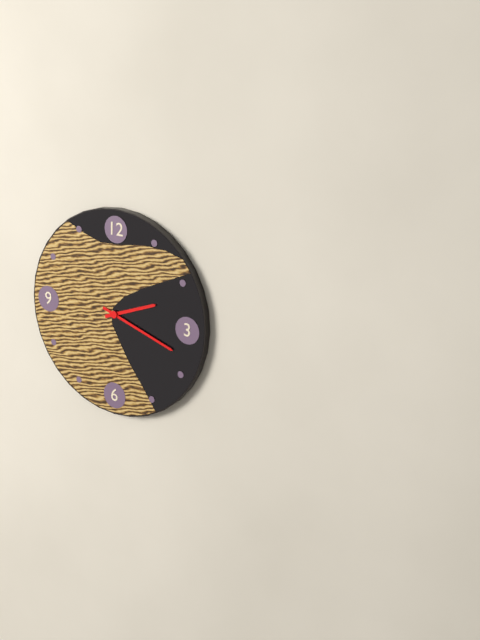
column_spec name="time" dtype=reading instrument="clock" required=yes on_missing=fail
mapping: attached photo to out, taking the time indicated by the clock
2:18
